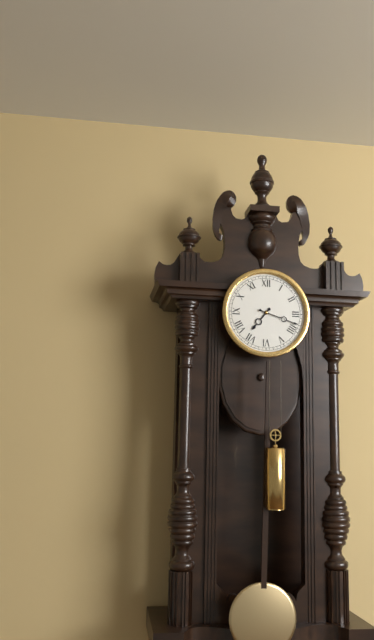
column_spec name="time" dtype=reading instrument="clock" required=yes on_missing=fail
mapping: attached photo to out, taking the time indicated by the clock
7:18
